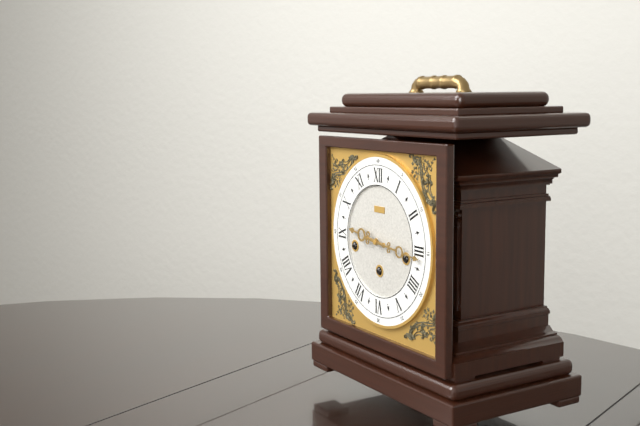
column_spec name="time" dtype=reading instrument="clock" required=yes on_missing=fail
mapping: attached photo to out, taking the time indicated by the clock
9:16
